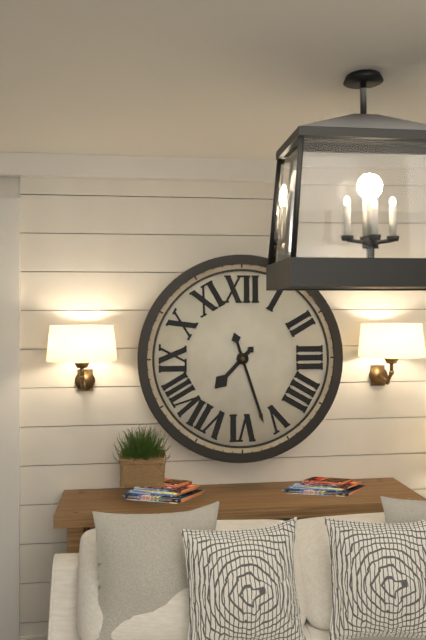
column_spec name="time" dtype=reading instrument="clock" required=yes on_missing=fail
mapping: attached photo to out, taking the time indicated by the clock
7:27
